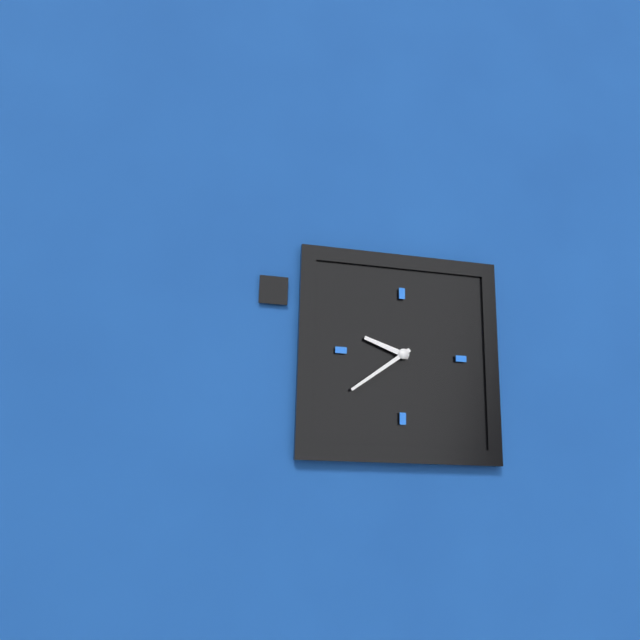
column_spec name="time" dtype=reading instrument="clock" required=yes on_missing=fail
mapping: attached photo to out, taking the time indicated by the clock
9:39
